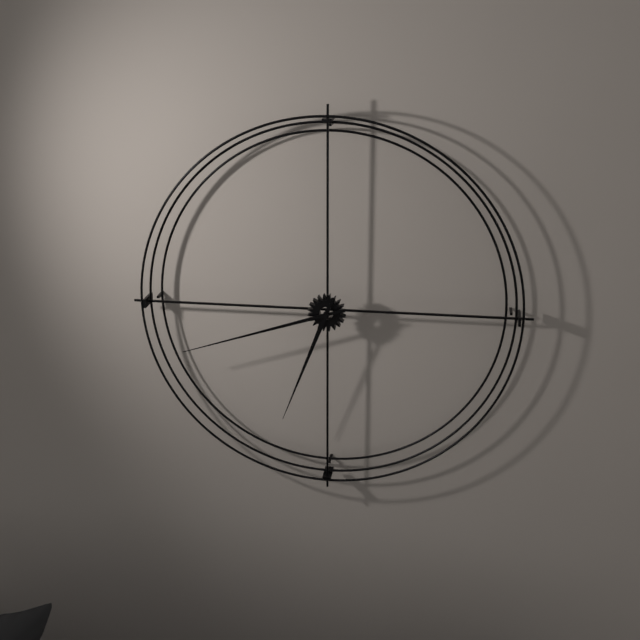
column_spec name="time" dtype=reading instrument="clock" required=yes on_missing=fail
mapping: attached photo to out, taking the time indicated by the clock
6:42
